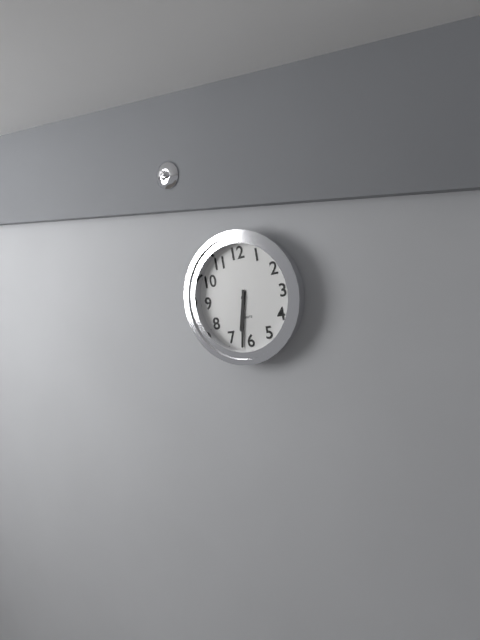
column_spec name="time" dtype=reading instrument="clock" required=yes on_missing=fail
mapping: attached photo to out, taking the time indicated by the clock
6:32
